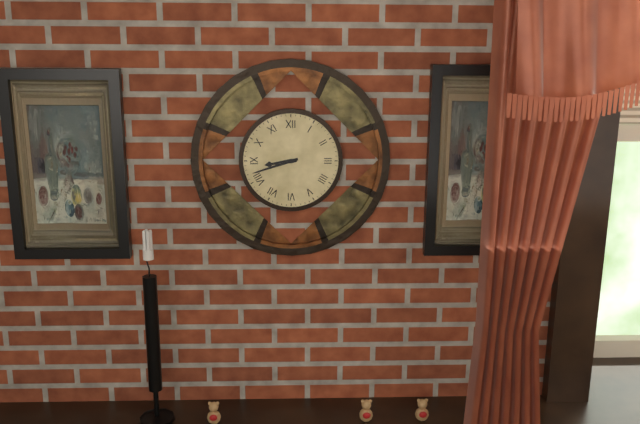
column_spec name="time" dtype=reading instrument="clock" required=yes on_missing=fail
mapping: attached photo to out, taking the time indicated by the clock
8:42
